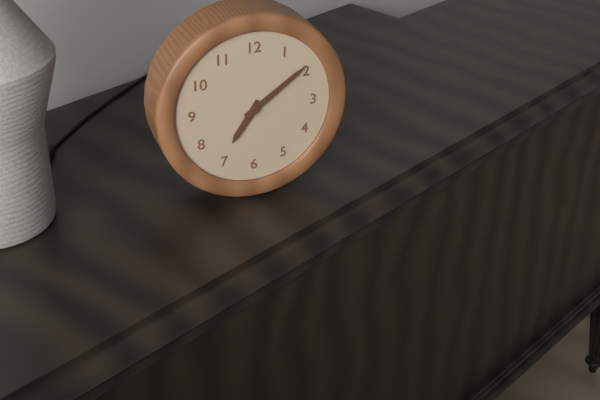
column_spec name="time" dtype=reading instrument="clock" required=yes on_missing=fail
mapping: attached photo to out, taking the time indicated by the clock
7:09
